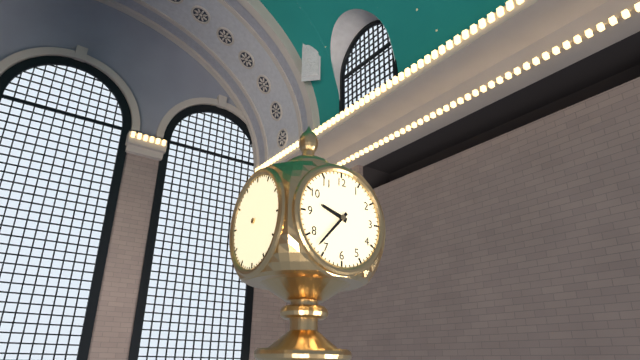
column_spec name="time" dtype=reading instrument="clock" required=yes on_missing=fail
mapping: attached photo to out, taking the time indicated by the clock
9:37
